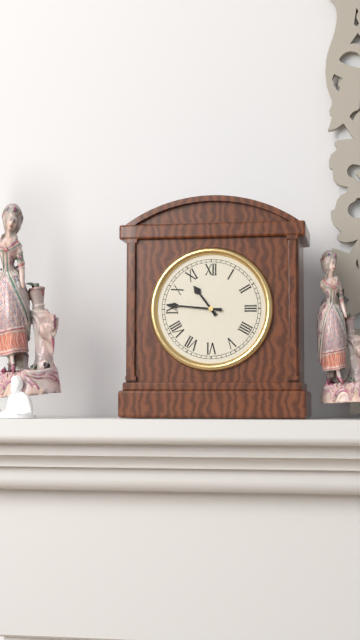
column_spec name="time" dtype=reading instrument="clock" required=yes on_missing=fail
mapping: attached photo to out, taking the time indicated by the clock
10:46
